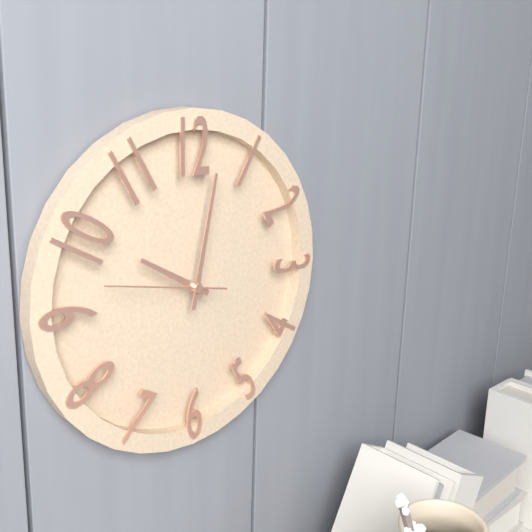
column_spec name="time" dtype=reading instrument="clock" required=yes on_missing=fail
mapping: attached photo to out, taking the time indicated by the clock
10:02:47
